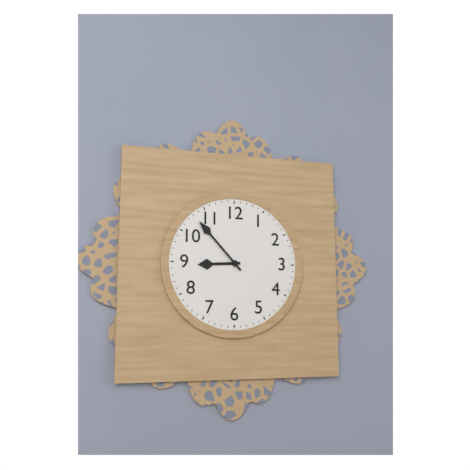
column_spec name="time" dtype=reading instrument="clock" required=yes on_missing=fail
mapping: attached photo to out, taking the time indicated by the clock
8:53
